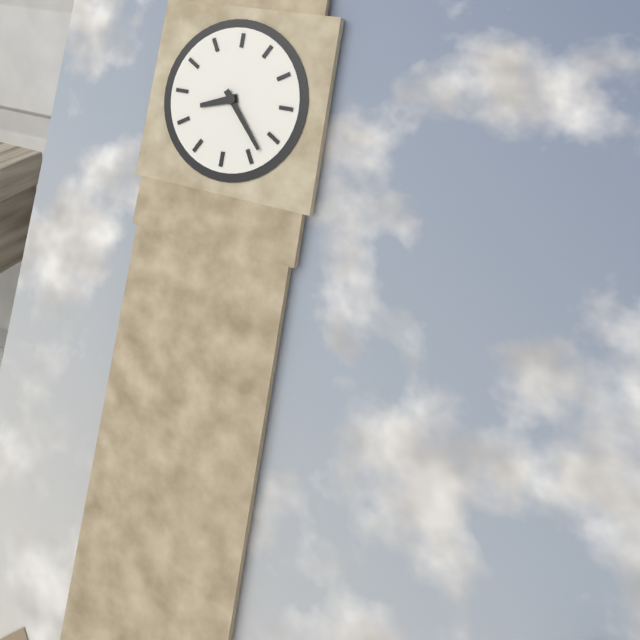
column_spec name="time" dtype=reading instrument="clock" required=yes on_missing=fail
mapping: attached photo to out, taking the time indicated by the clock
8:23
